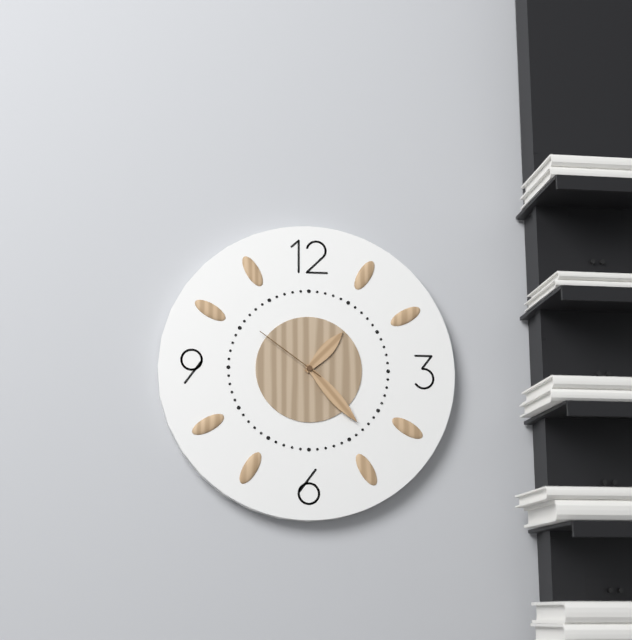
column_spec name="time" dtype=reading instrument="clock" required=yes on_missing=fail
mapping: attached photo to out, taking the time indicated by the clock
1:23:51
